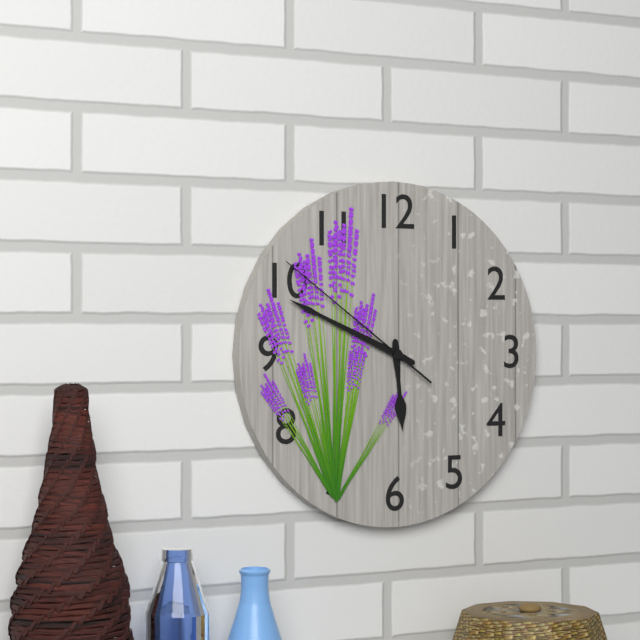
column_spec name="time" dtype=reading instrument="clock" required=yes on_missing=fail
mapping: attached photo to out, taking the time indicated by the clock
5:49:51
